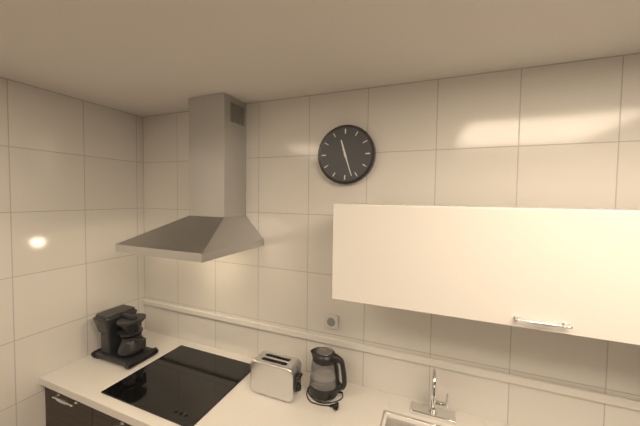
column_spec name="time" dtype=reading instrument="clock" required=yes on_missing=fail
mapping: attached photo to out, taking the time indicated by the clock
11:27
